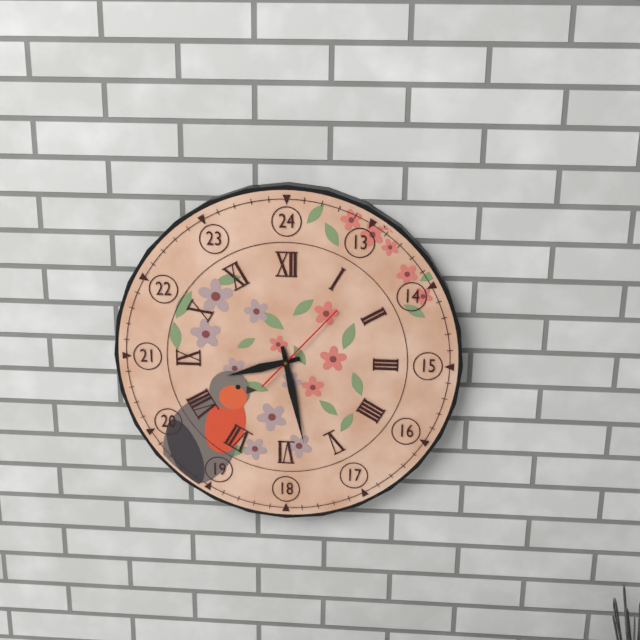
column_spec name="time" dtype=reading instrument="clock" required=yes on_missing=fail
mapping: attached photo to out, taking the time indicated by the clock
8:28:07
